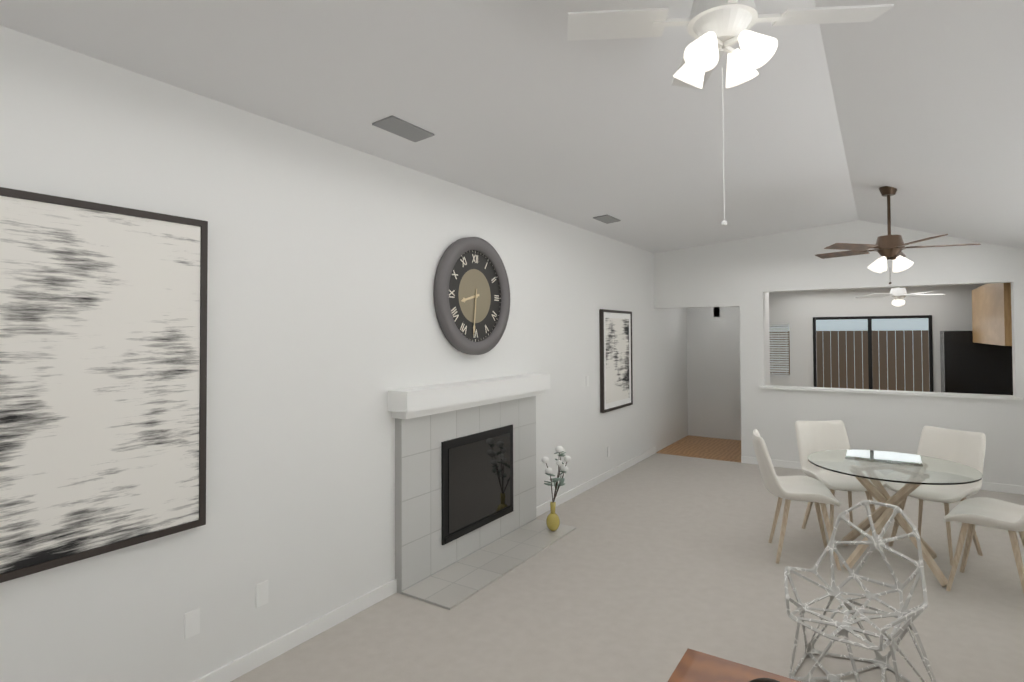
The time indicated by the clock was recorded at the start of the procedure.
8:31
